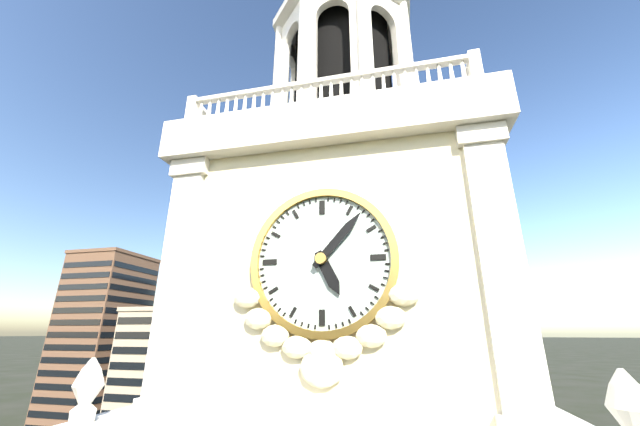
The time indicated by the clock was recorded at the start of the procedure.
5:07
